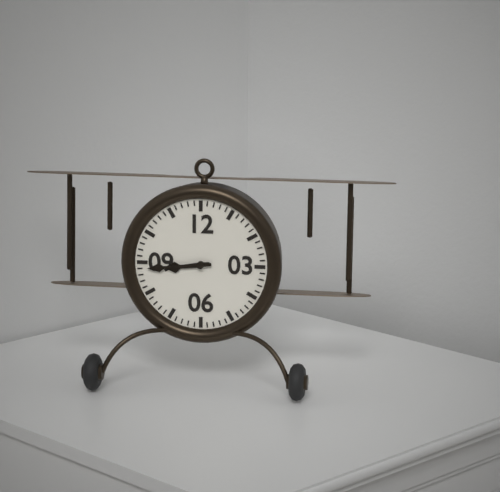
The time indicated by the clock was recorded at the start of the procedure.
8:44
